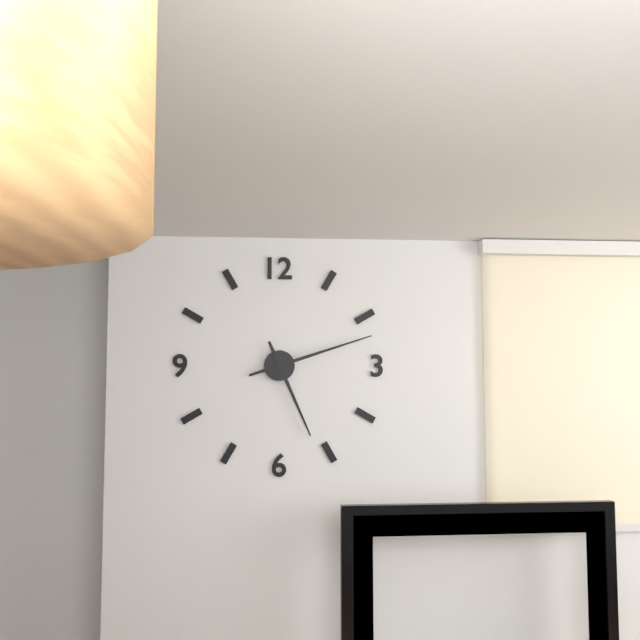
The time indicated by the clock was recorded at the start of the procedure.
5:12
